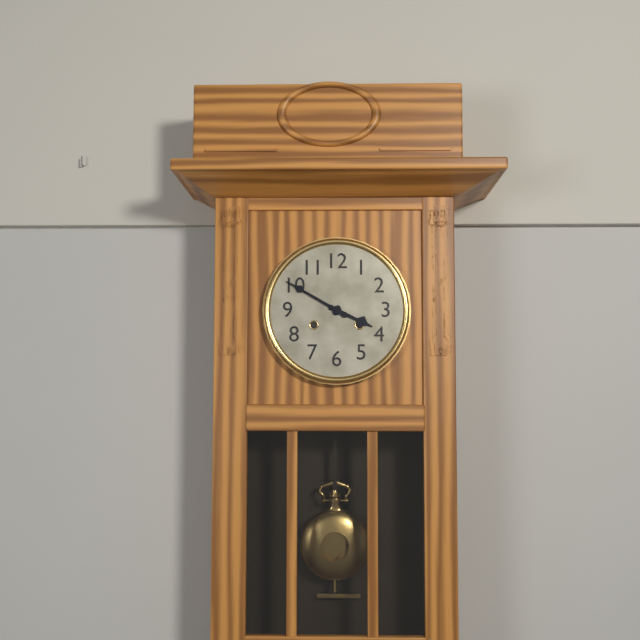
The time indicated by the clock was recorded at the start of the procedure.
3:50
